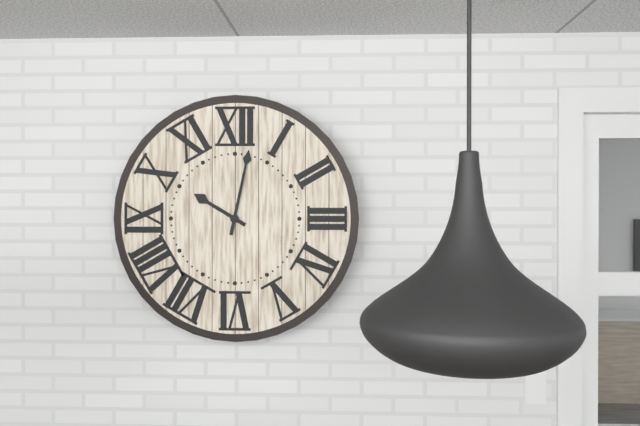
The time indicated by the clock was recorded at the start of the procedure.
10:02
